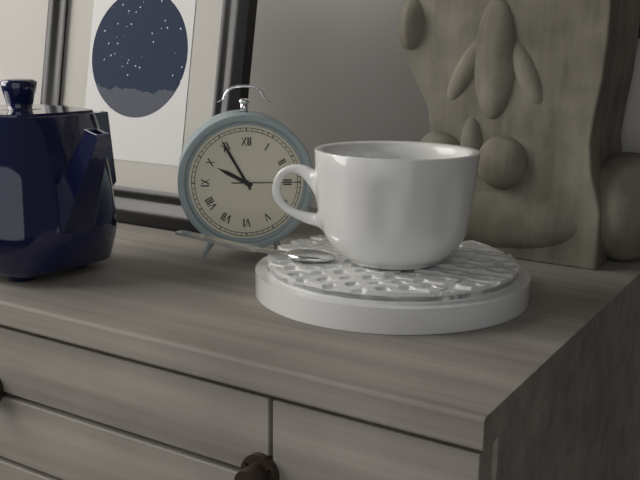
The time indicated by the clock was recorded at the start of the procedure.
9:55:15
